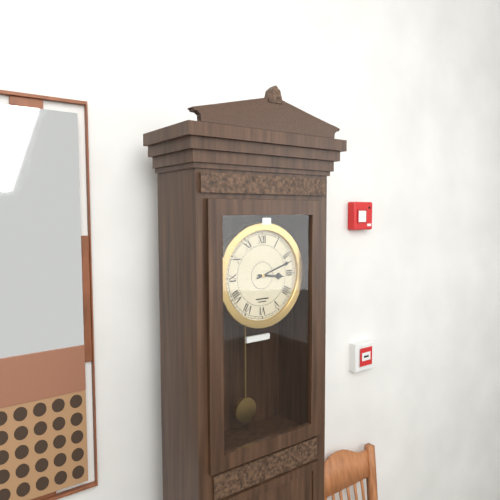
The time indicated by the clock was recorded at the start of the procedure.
3:12
